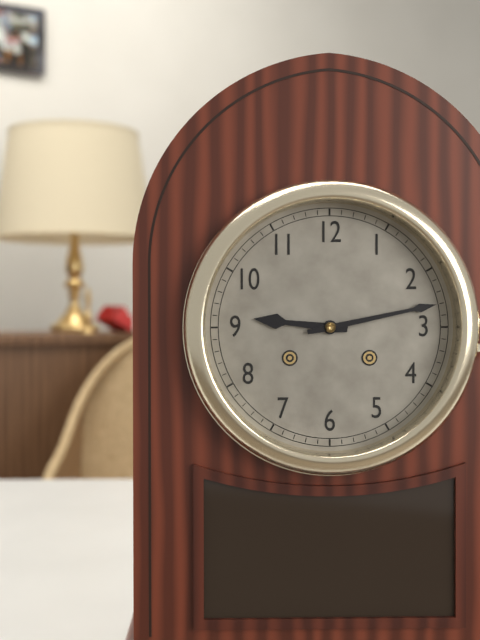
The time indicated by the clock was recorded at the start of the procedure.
9:13
